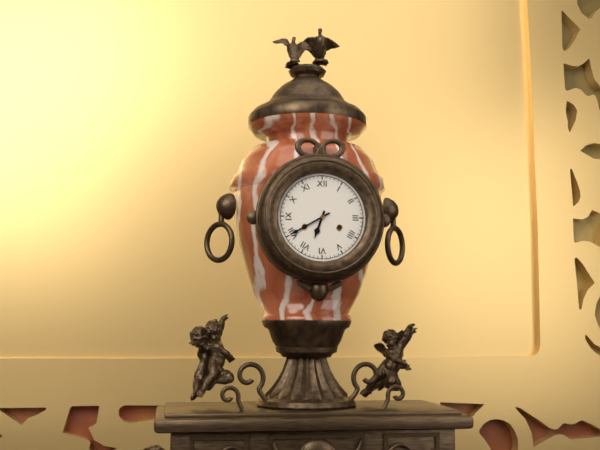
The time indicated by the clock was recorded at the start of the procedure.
6:40
